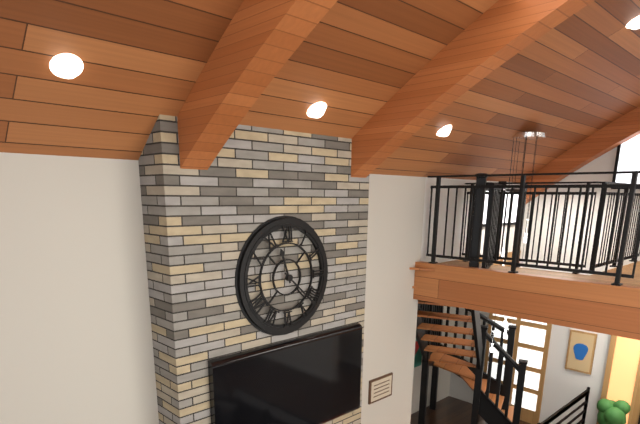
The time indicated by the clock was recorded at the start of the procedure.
11:22
